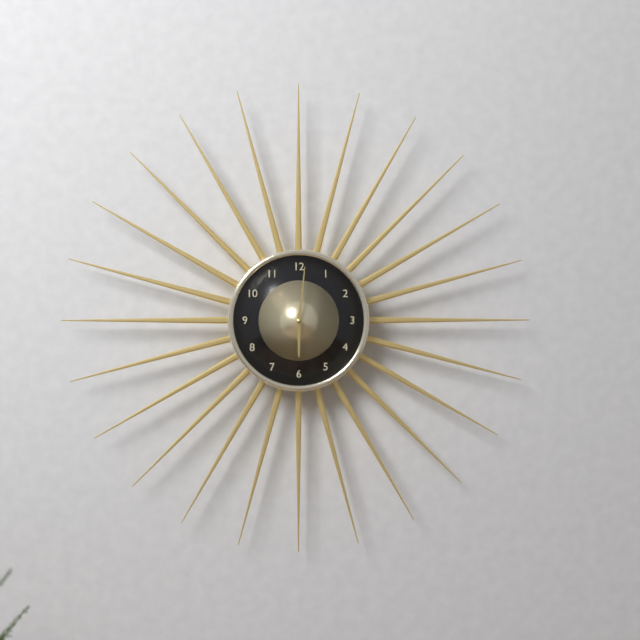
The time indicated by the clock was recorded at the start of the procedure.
6:01
